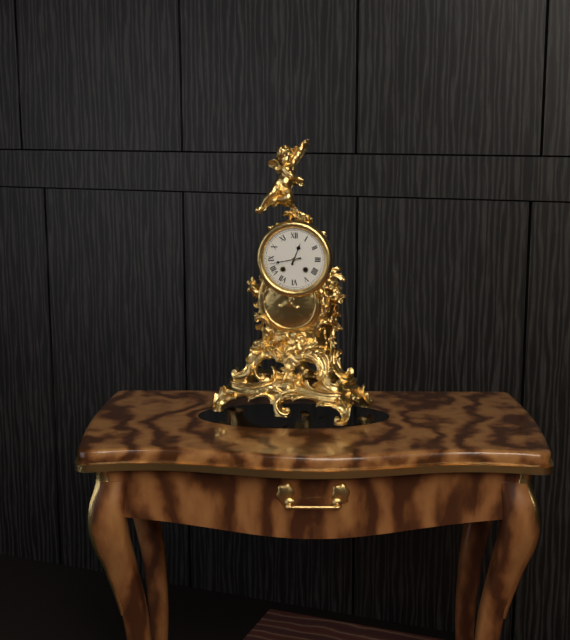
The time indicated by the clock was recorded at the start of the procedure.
12:43
